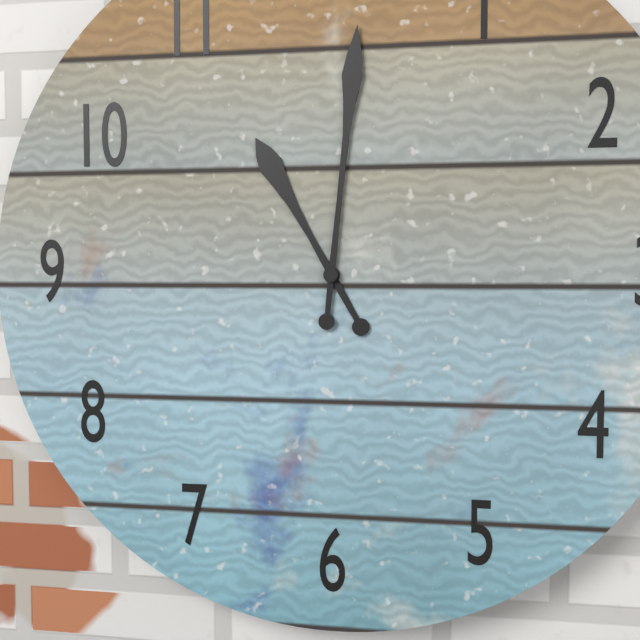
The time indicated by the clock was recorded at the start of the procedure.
11:01
